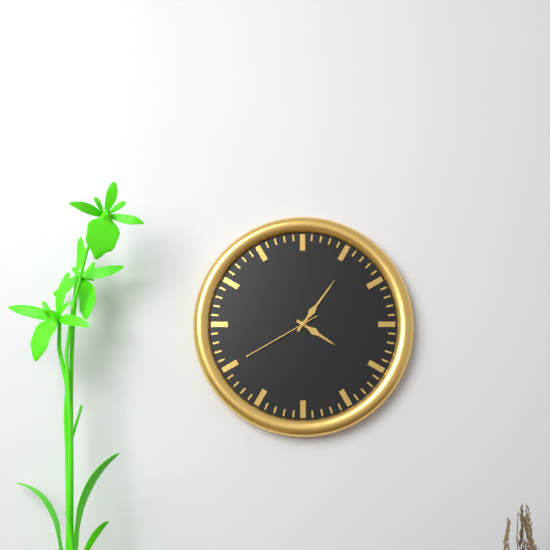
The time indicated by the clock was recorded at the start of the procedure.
4:06:40
